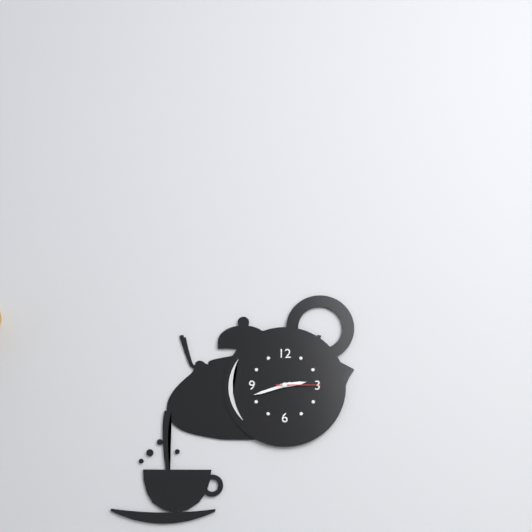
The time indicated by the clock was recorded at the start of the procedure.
2:42
